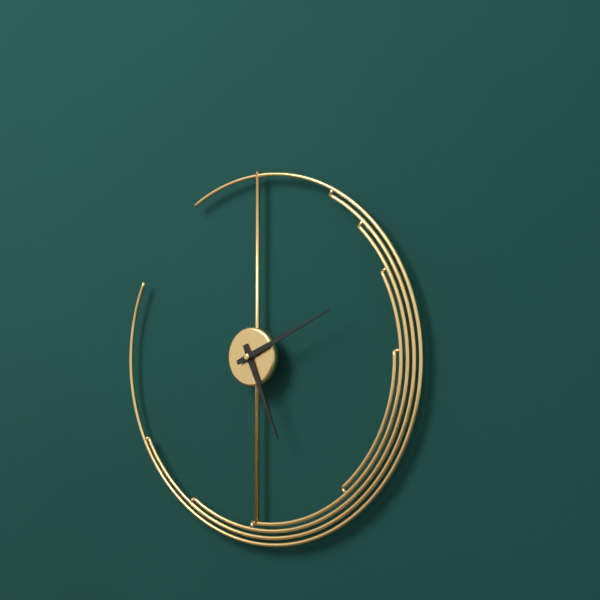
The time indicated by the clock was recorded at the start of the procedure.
5:11
